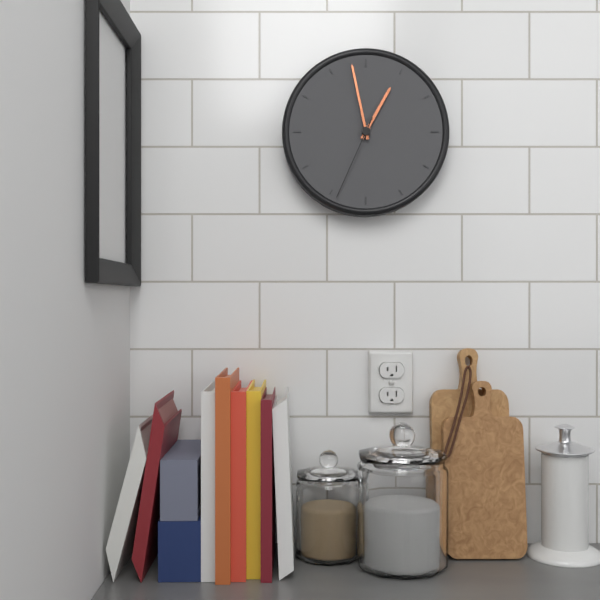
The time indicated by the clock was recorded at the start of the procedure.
12:58:34
